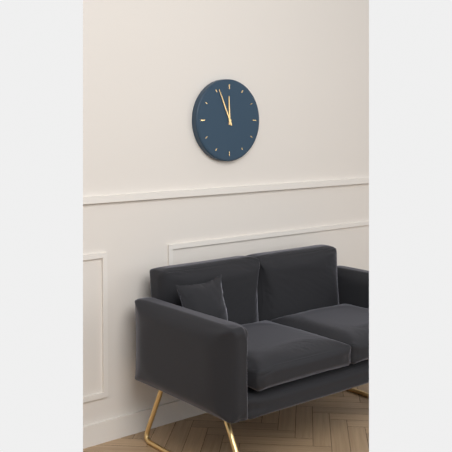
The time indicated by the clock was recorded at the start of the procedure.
11:56
